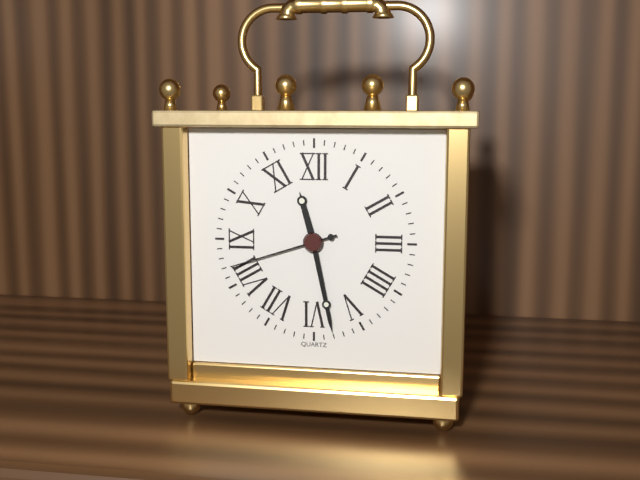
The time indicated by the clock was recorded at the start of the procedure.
11:28:42
